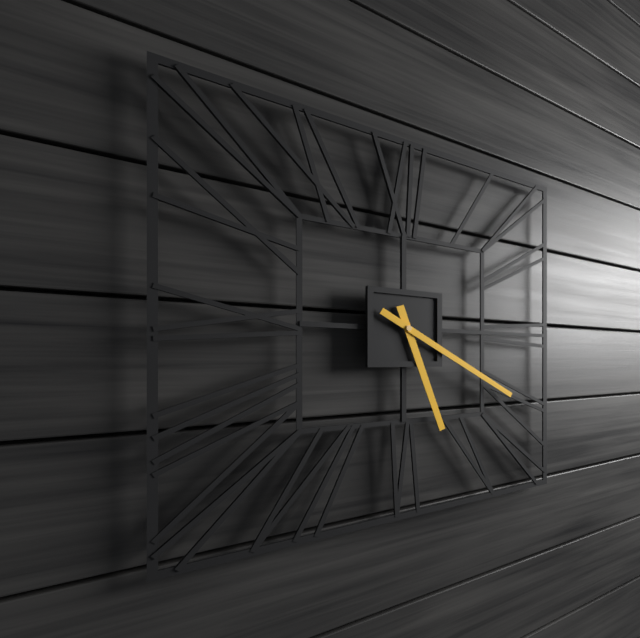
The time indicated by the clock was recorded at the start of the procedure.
5:20
